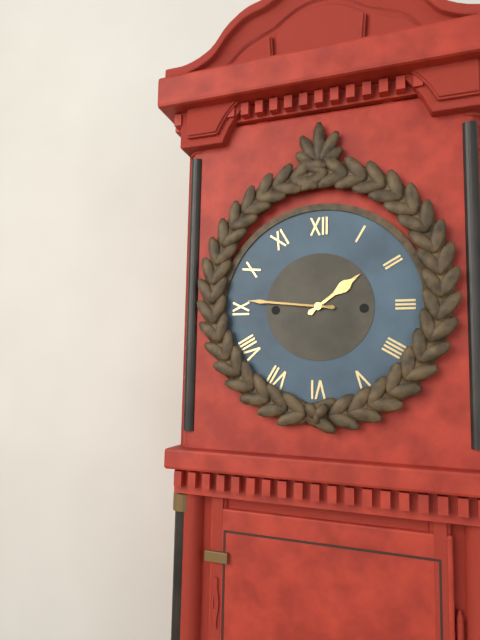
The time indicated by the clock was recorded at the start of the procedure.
1:46
